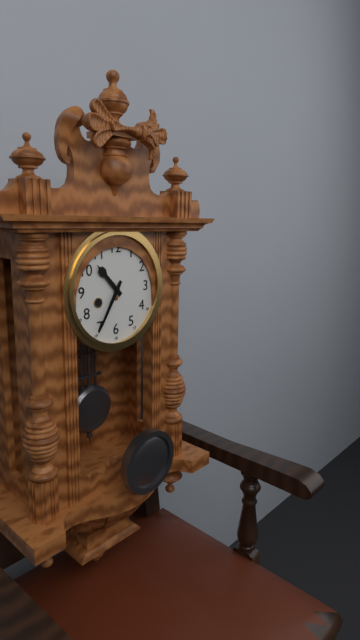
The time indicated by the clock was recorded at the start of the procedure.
10:35
